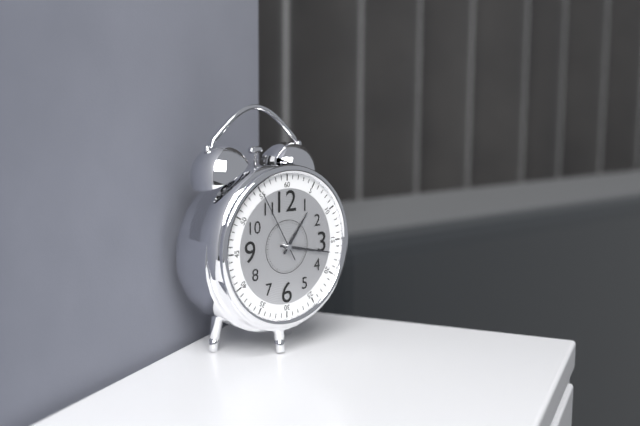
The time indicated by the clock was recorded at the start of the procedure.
1:17:55
